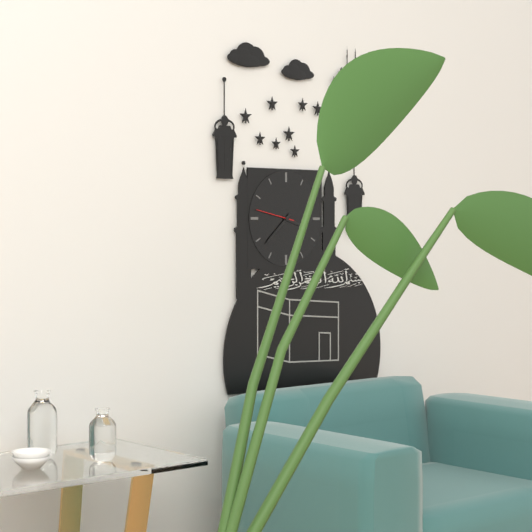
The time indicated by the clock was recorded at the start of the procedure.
3:38
